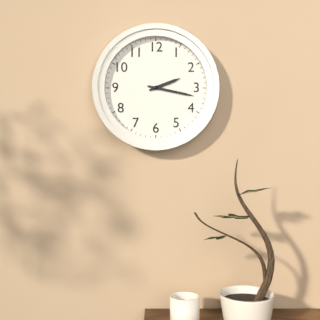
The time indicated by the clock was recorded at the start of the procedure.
2:17
